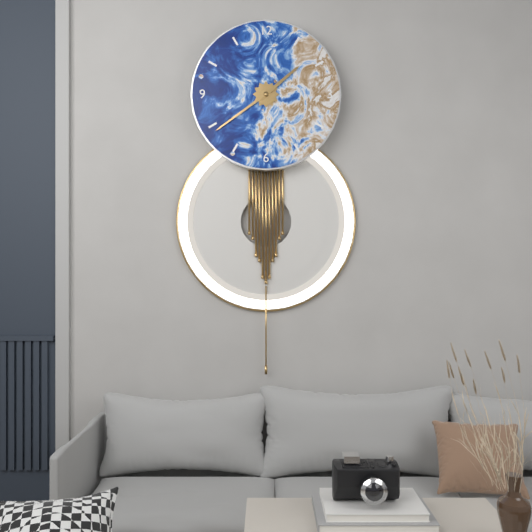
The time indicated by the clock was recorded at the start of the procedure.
1:39
